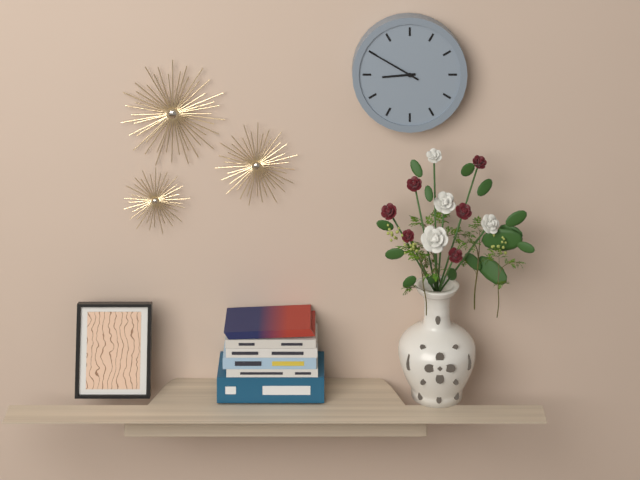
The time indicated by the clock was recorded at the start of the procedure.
8:50
